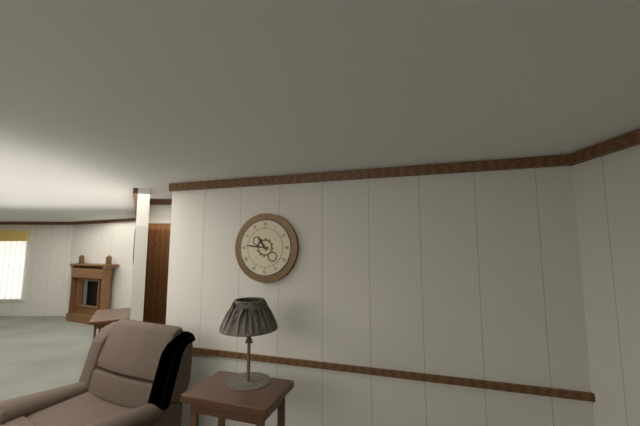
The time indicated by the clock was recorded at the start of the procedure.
10:46
